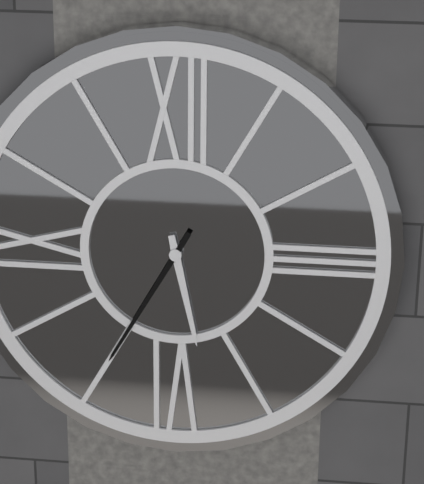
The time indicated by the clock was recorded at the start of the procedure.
5:35
